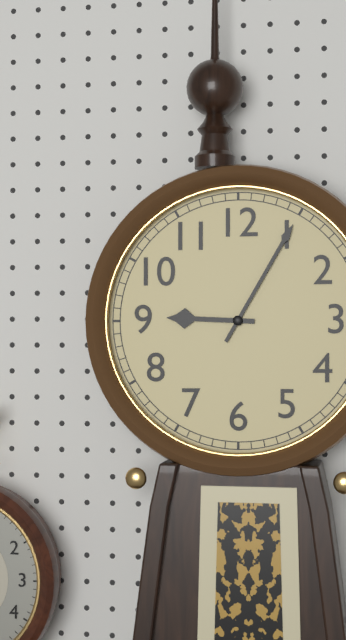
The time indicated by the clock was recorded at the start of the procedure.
9:05
